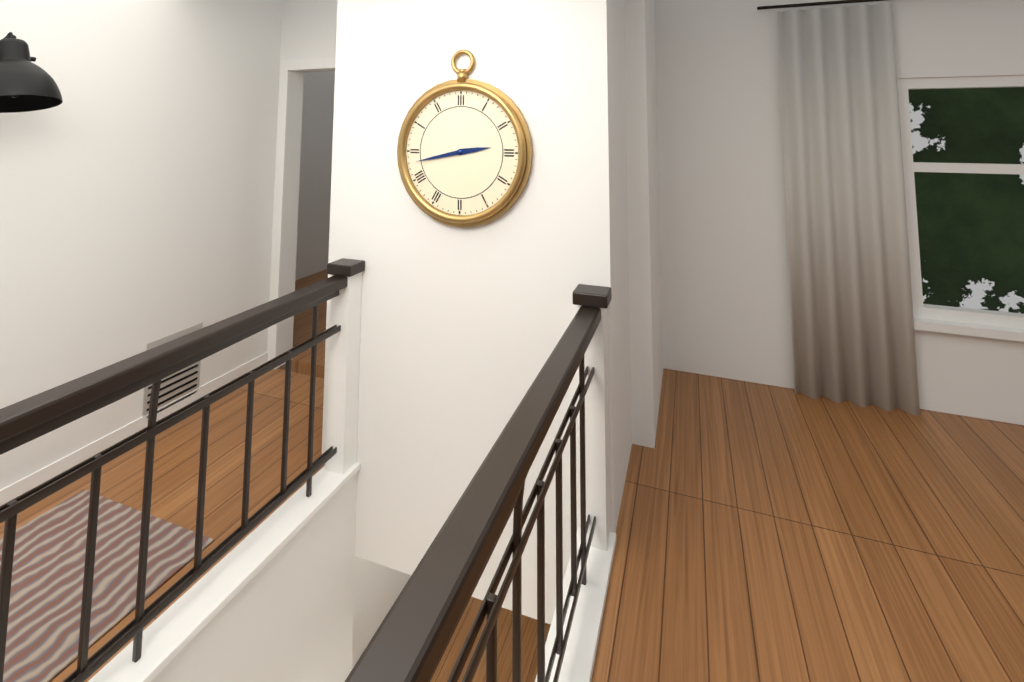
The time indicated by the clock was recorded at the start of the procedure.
2:43
